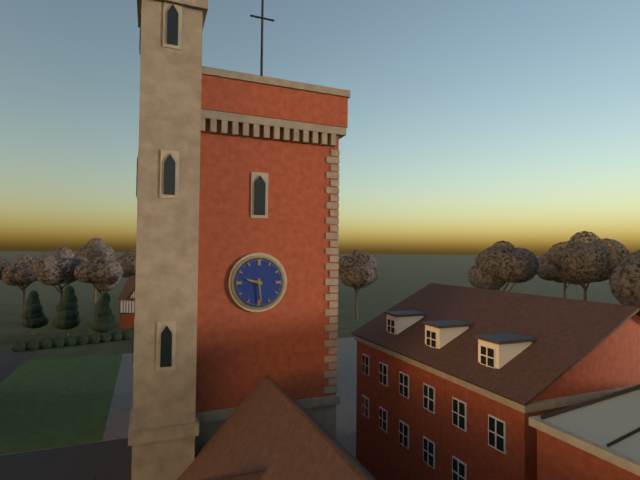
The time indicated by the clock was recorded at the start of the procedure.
9:29
